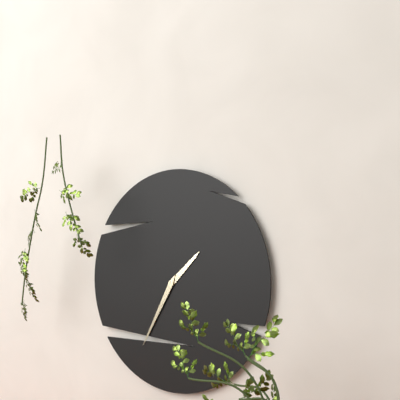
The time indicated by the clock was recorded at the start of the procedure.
1:35
